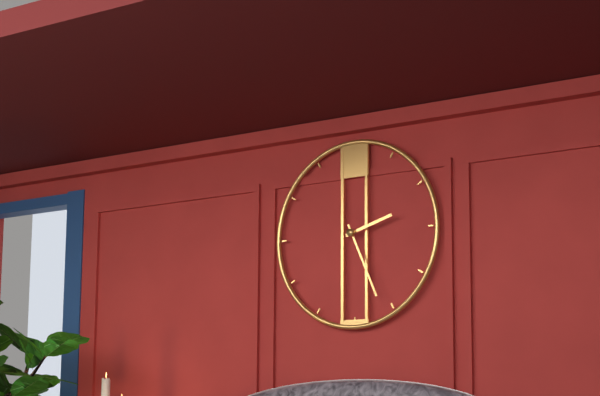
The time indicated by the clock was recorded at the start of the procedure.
2:26
